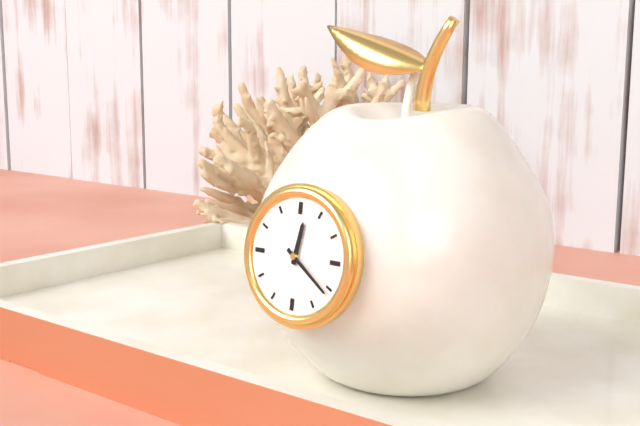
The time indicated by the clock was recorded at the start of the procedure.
12:21
